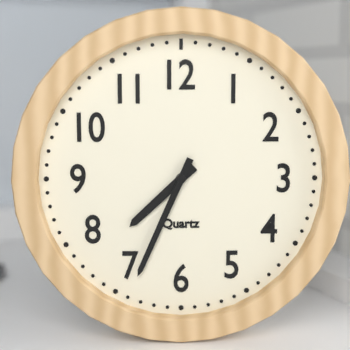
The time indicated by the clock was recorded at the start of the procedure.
7:34
